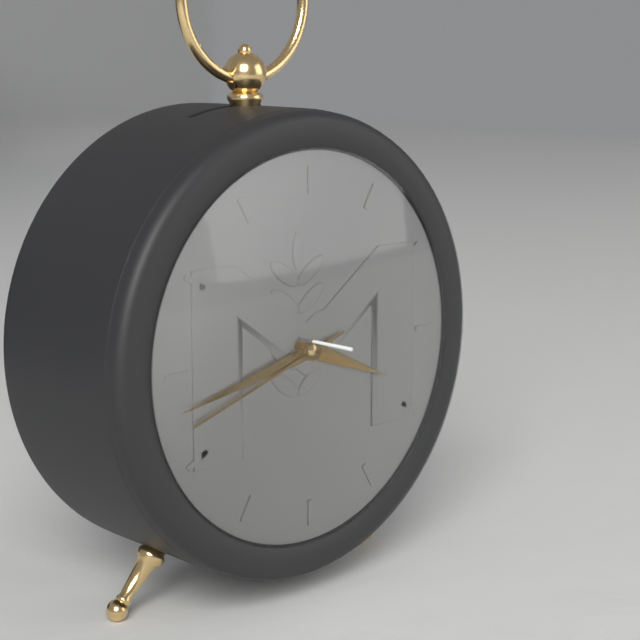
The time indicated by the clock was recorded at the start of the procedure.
3:43:42
